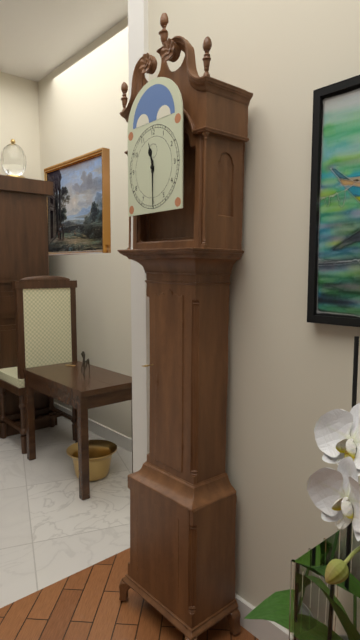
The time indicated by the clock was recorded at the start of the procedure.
11:30
